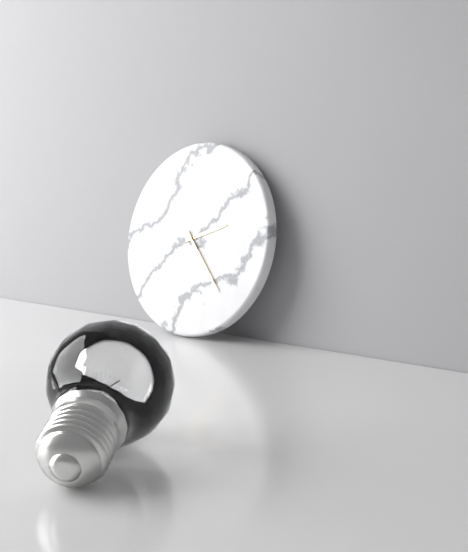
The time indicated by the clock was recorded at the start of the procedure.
2:23
